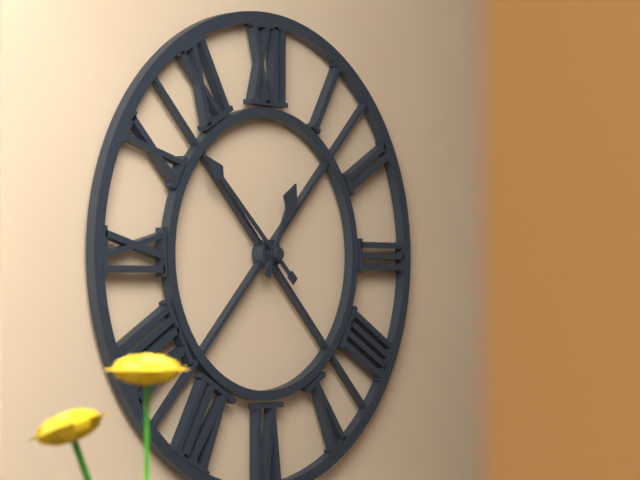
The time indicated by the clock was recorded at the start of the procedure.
12:52
